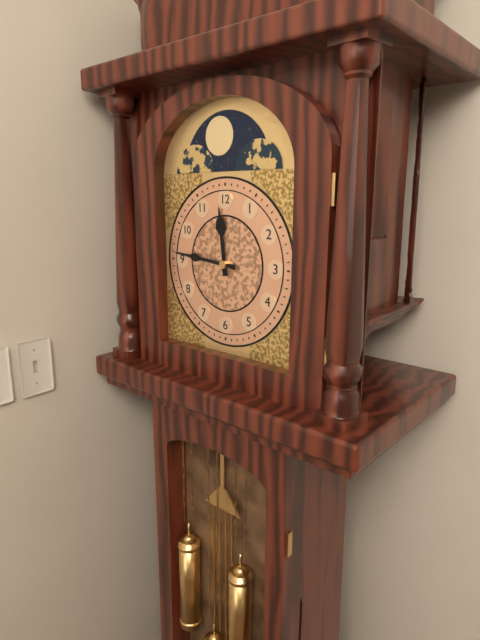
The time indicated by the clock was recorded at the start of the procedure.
11:46
